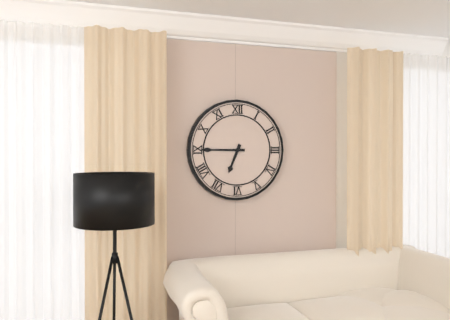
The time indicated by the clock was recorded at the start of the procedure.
6:45
